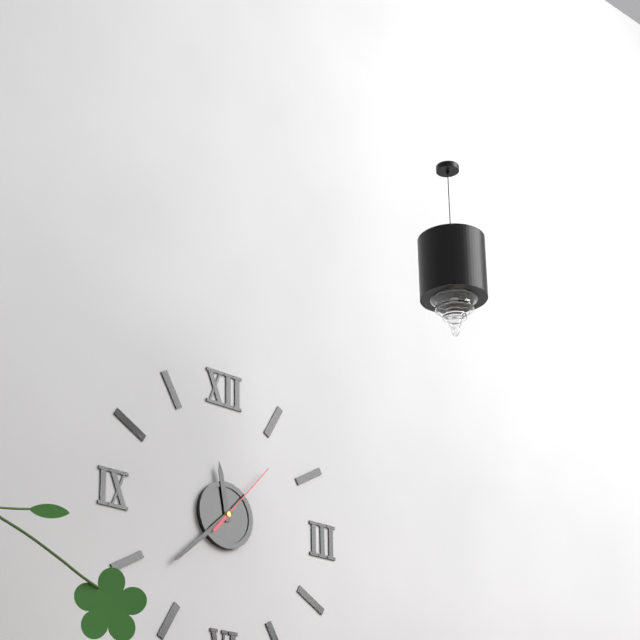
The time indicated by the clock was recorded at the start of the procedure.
11:38:07
